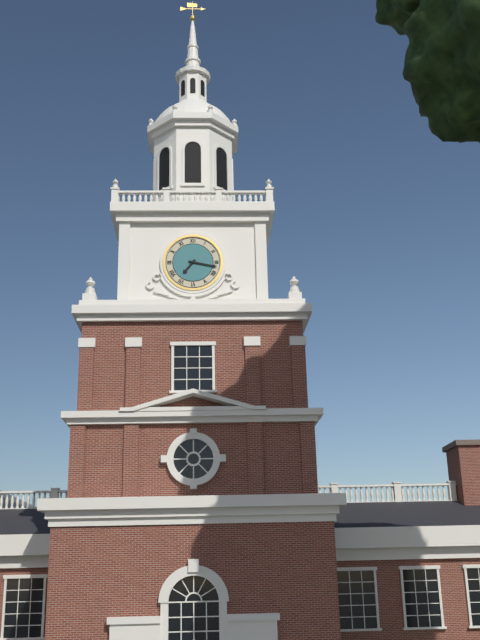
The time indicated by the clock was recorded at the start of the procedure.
7:17
